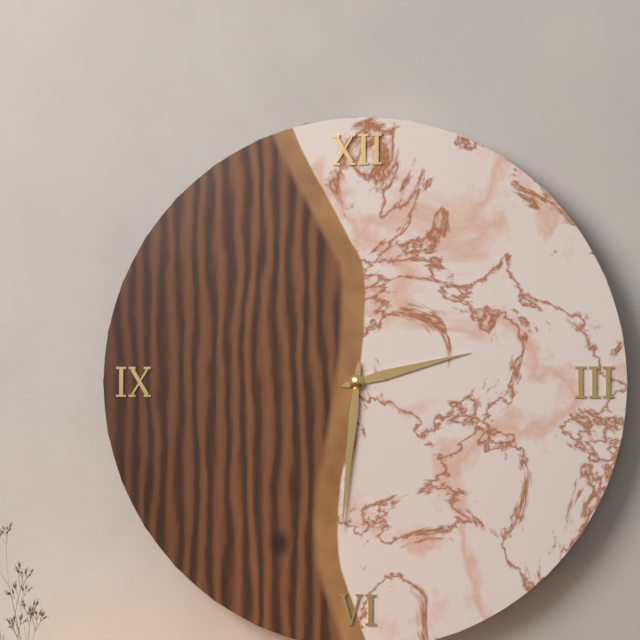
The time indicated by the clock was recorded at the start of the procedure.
2:31
